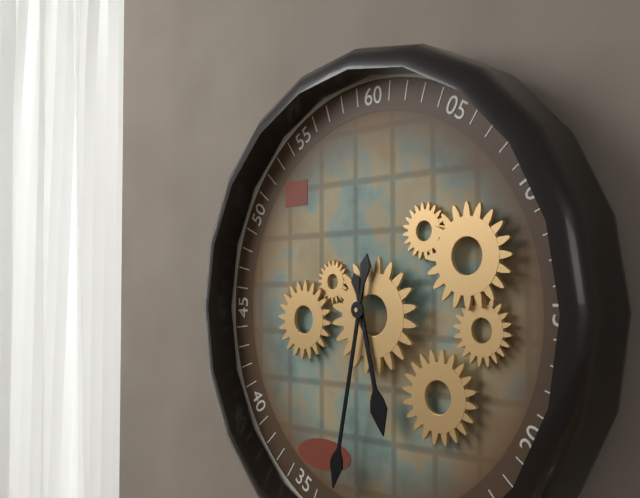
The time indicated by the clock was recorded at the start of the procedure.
5:32
